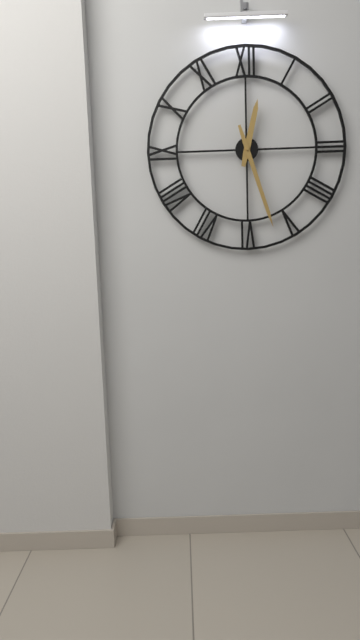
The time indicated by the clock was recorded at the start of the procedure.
12:27
